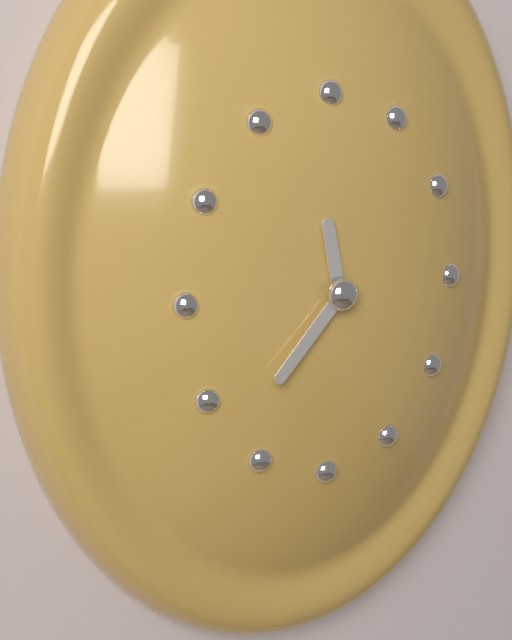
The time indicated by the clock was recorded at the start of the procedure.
11:37
